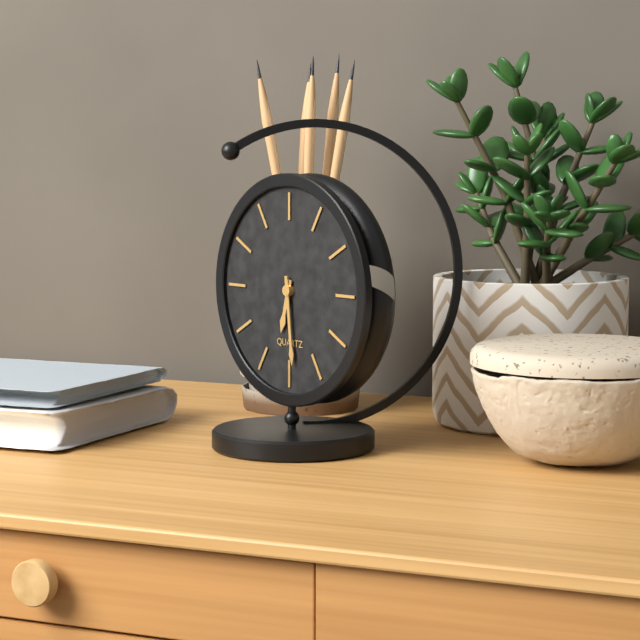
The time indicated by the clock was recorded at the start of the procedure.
6:29
